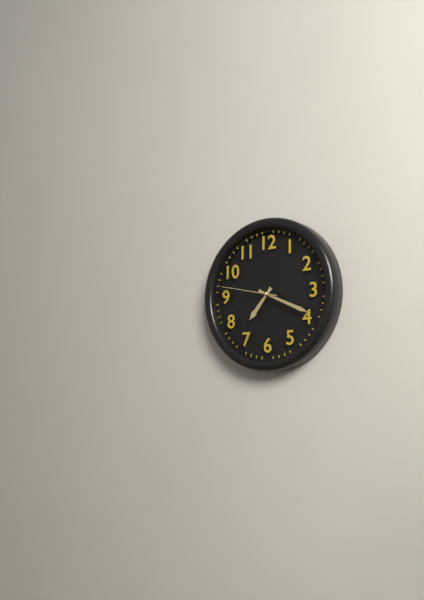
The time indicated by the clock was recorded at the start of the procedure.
7:19:47
